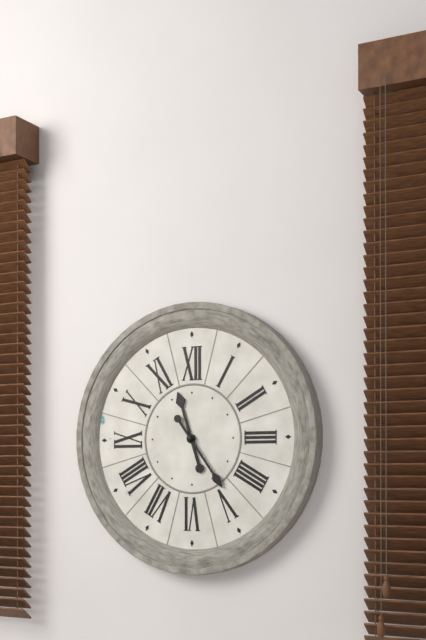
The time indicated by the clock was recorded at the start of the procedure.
11:24
